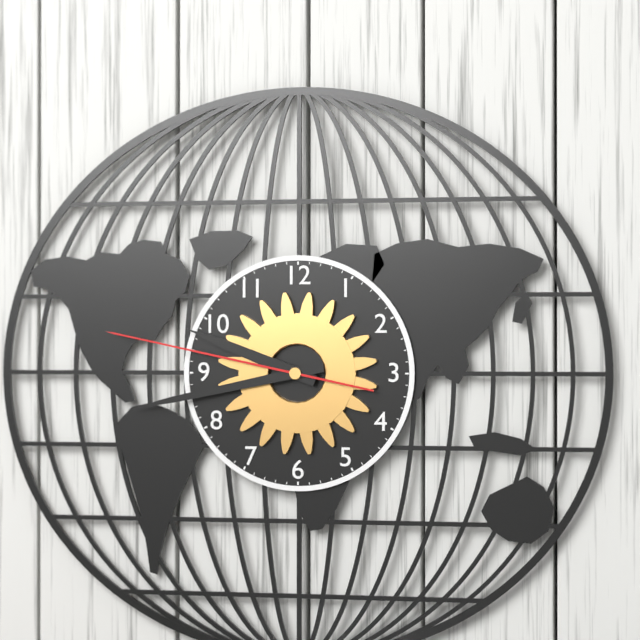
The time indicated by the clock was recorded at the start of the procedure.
9:43:47
